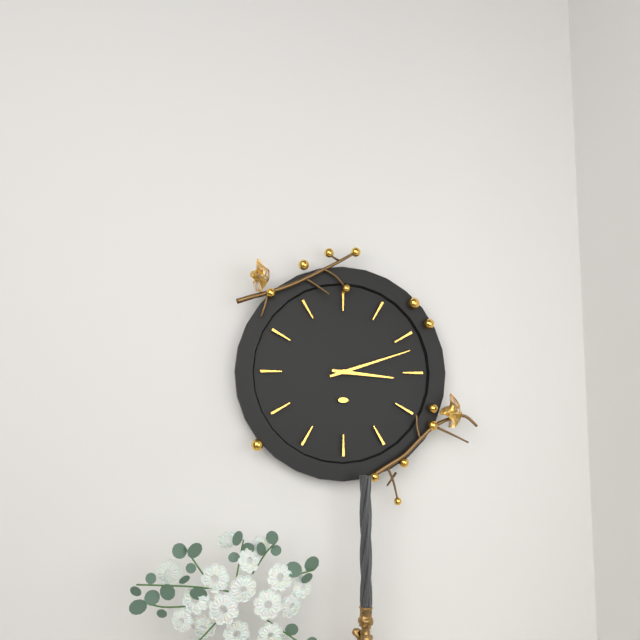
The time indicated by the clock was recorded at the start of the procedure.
3:12
